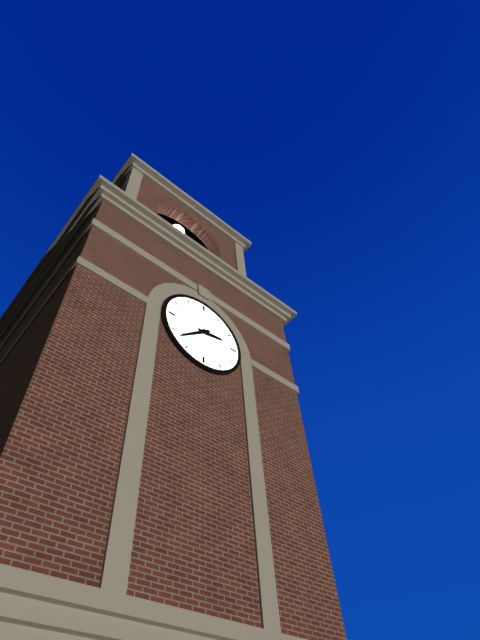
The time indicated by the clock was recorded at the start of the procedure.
2:38
